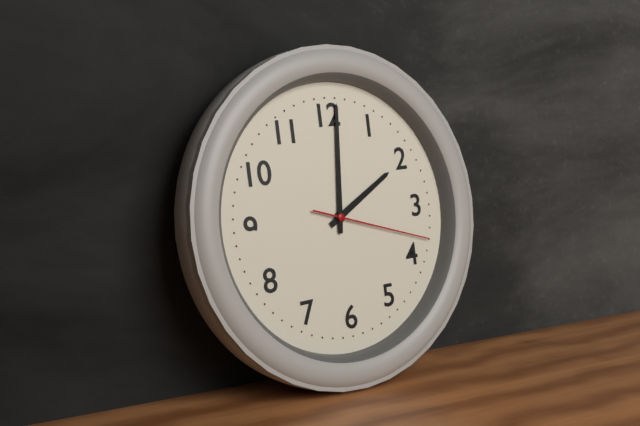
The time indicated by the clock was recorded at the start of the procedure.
2:01:18
